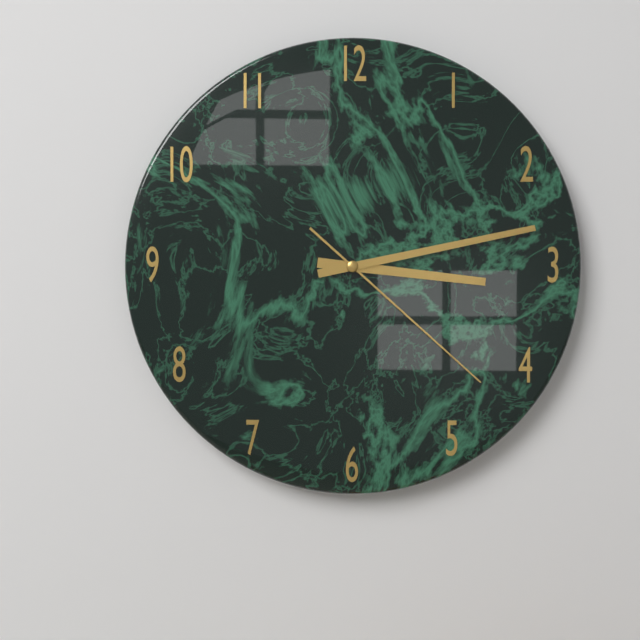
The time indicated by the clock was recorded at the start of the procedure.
3:13:22
